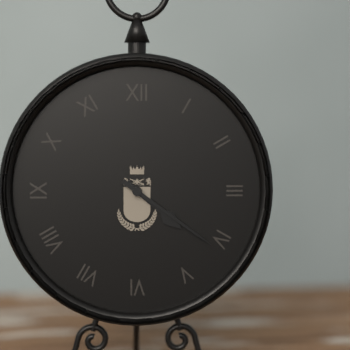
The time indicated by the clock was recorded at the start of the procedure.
4:21
